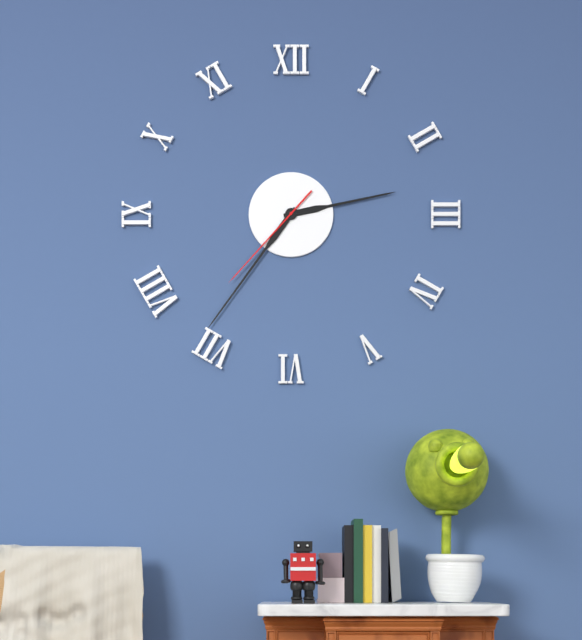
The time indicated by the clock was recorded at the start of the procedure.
2:36:37
